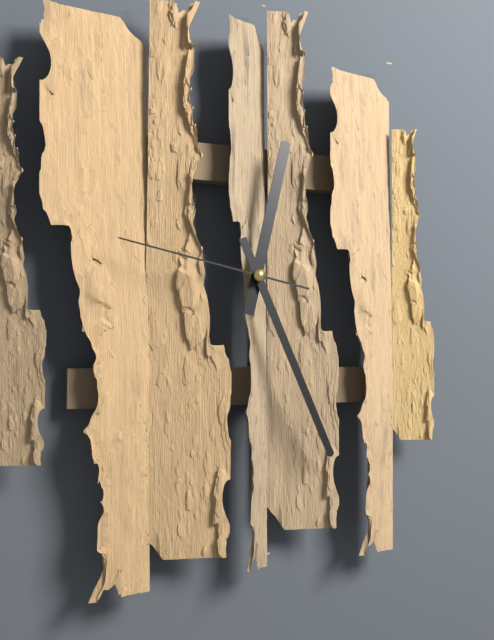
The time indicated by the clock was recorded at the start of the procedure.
12:26:47
